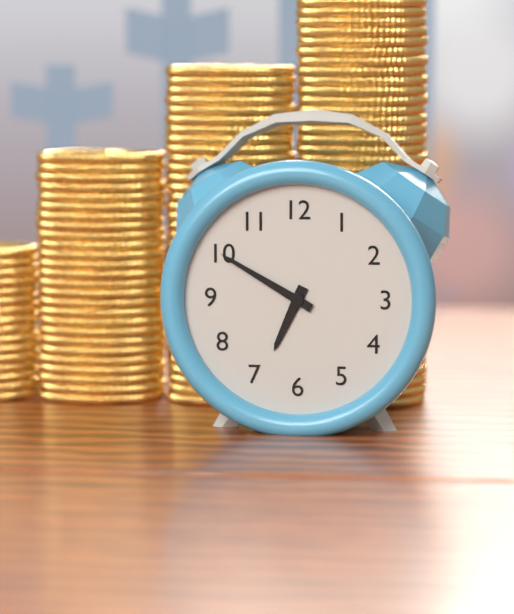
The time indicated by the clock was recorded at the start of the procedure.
6:50
